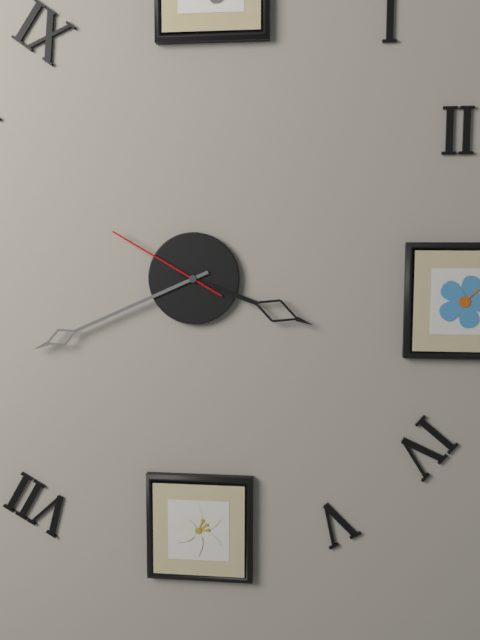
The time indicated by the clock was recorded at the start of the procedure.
3:41:50
